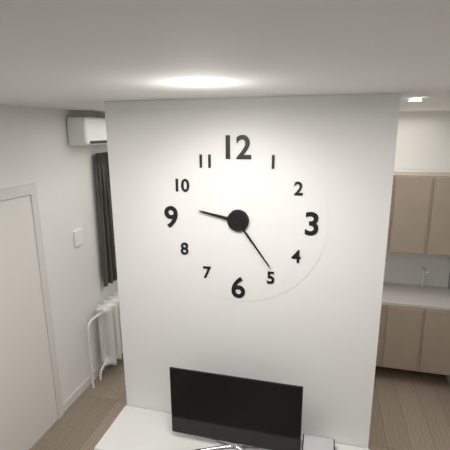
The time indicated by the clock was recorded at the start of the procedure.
9:24
